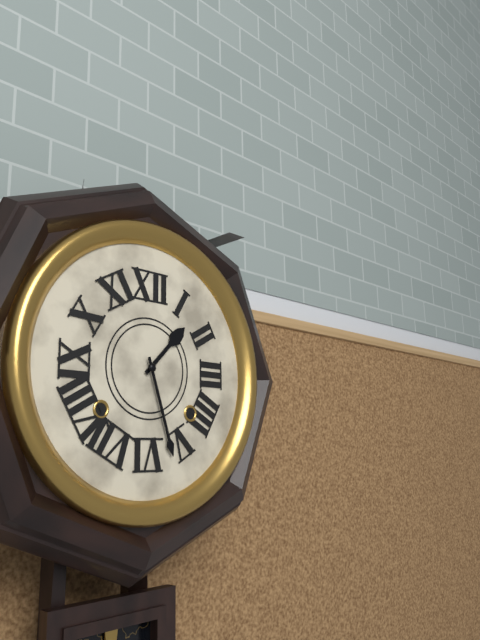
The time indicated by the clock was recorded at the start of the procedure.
1:27
